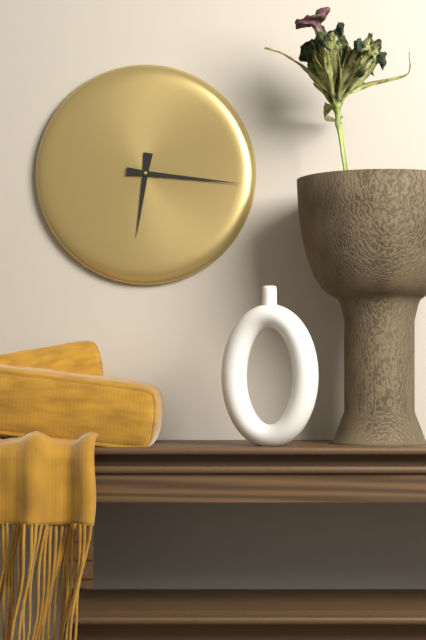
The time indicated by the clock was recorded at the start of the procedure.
6:16
